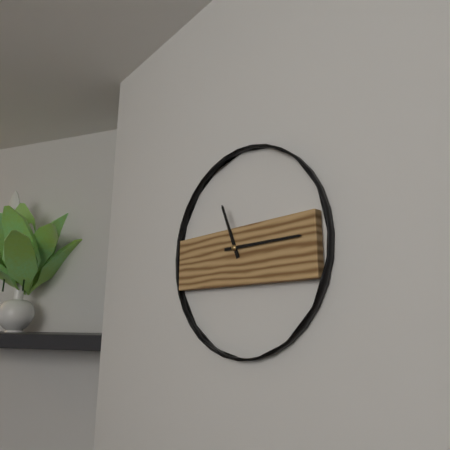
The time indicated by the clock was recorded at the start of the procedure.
11:15
